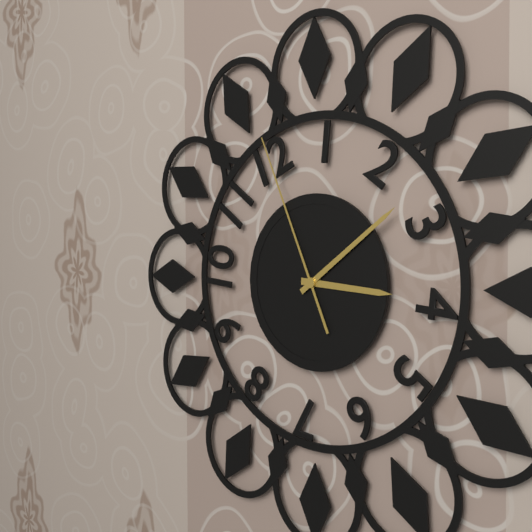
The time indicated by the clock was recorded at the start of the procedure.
3:09:56
